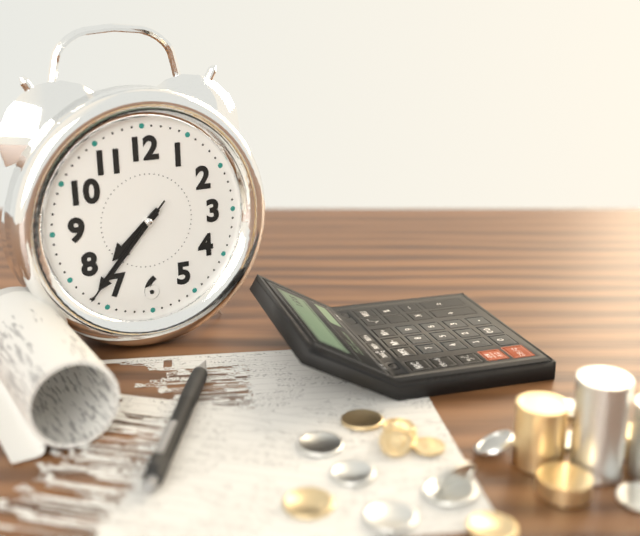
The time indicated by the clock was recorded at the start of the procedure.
7:37:37
